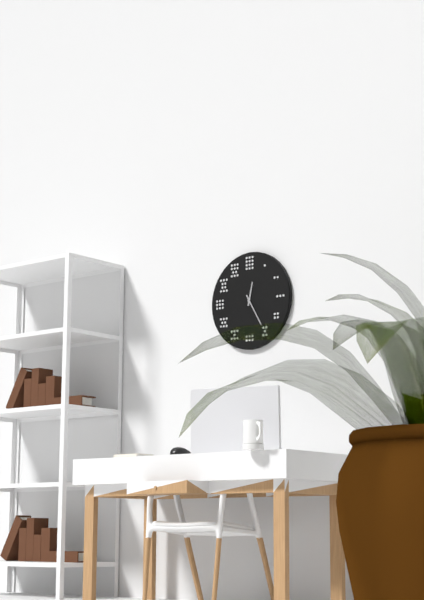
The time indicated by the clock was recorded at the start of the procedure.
12:25
